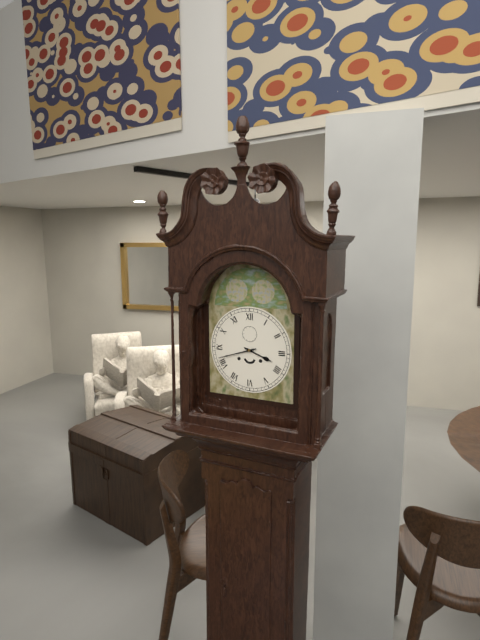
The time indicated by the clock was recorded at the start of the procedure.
3:42
